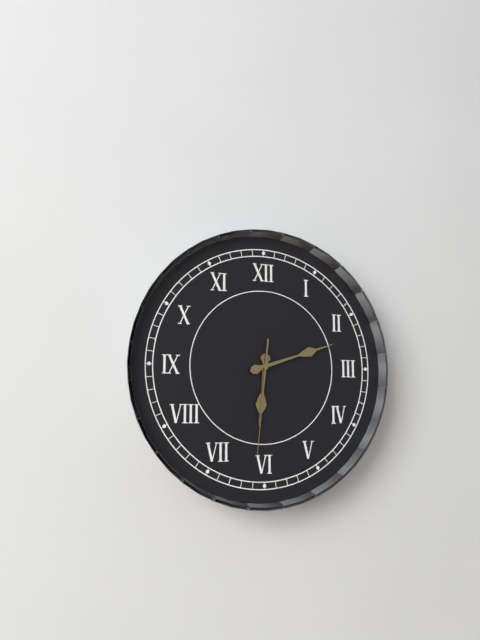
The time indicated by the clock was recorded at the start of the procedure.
6:12:31
